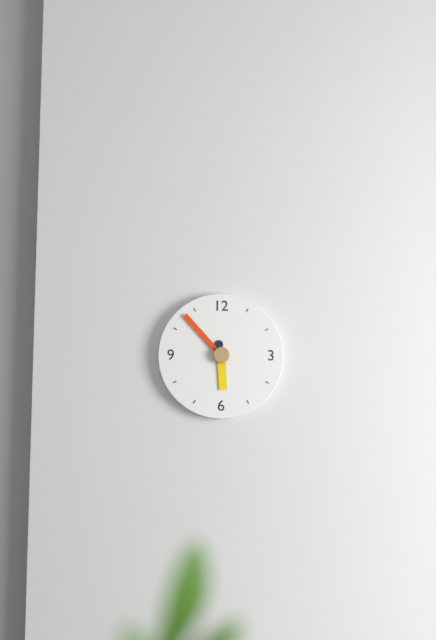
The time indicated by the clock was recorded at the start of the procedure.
5:53
